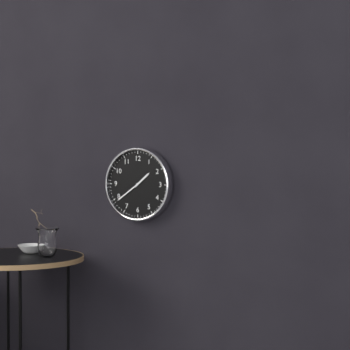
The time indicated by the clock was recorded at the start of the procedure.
1:39
